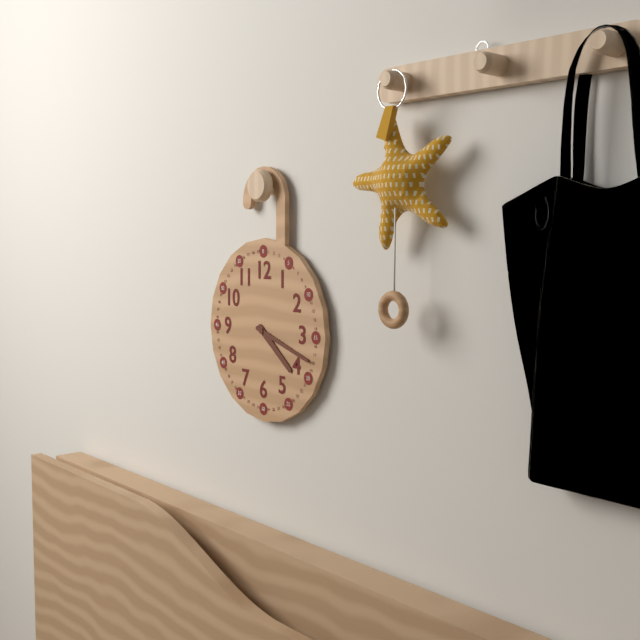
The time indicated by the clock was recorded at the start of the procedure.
4:18
